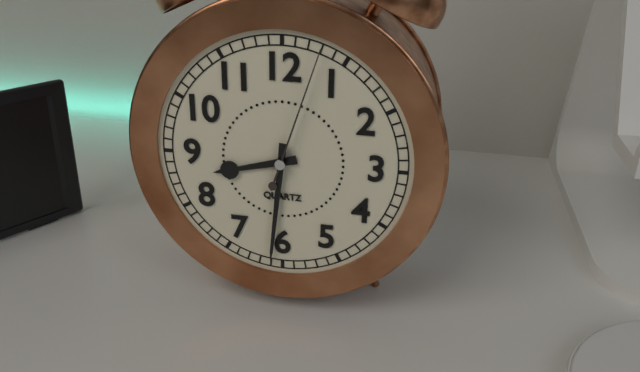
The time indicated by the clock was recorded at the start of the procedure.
8:31:03
